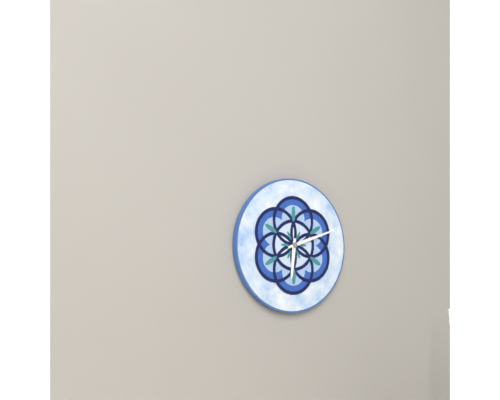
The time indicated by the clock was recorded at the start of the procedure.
6:12
